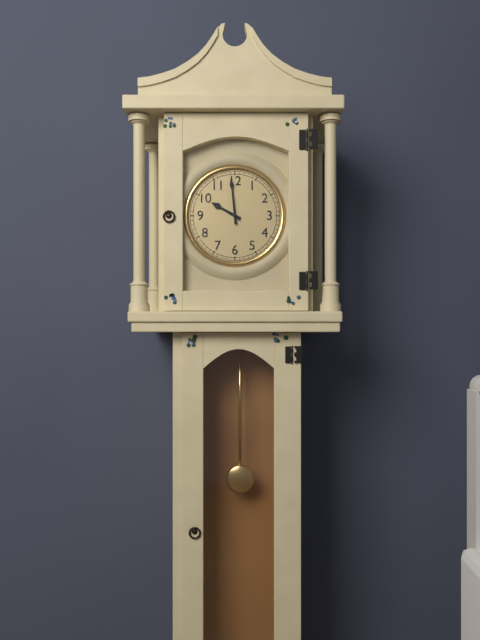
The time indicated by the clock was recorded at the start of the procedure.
9:59
